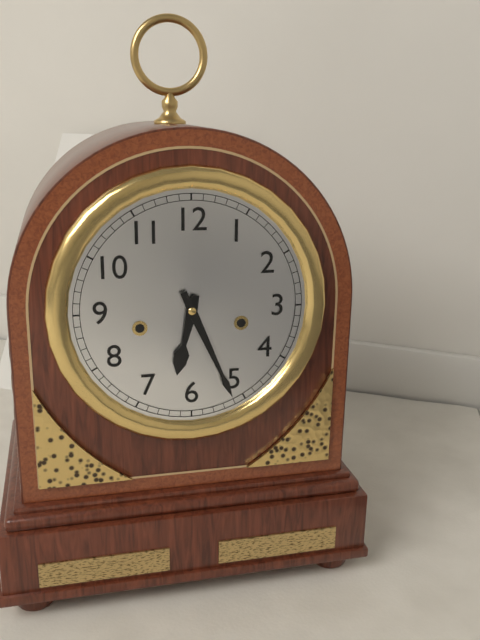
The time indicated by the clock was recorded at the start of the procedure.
6:26
